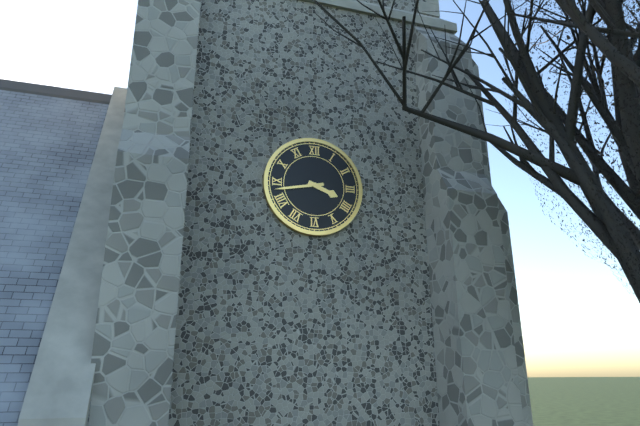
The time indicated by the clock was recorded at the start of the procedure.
3:43
